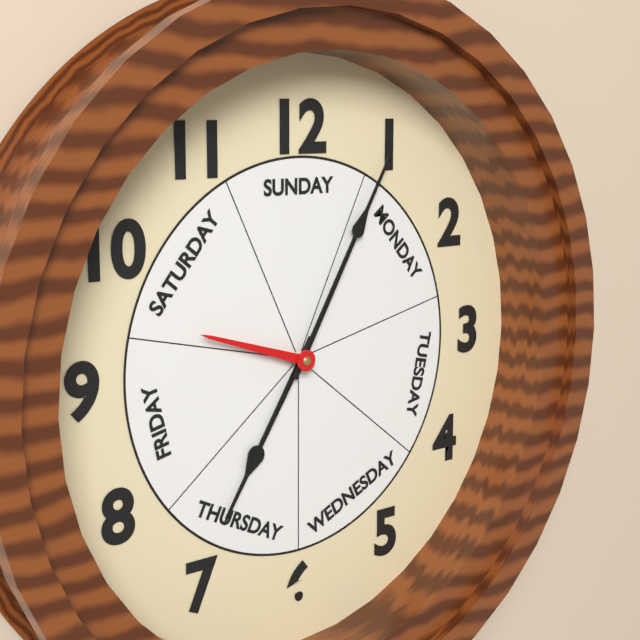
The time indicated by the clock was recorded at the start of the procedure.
7:05:48
